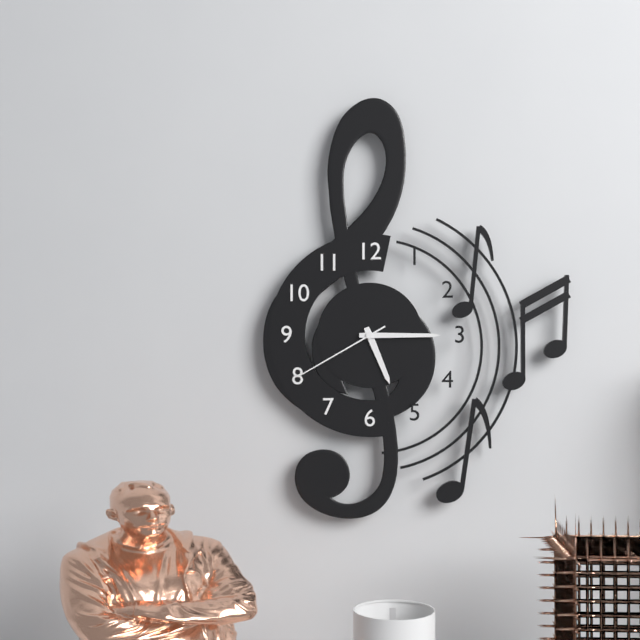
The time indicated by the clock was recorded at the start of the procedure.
5:15:40
